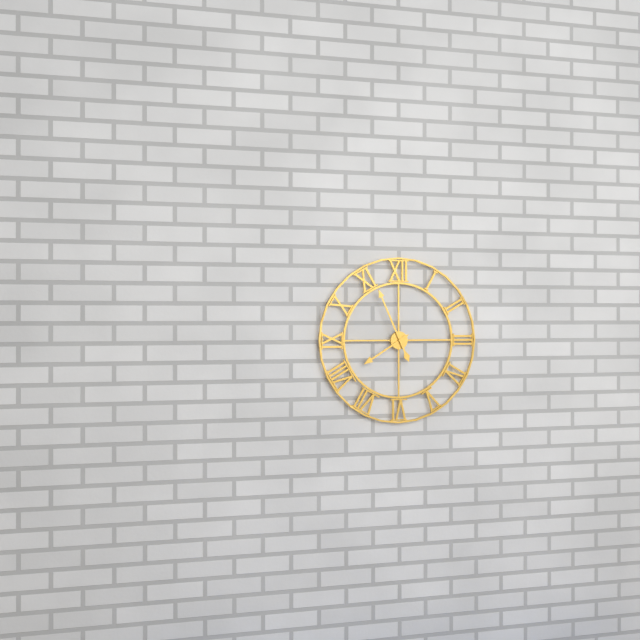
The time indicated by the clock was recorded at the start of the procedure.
7:56
